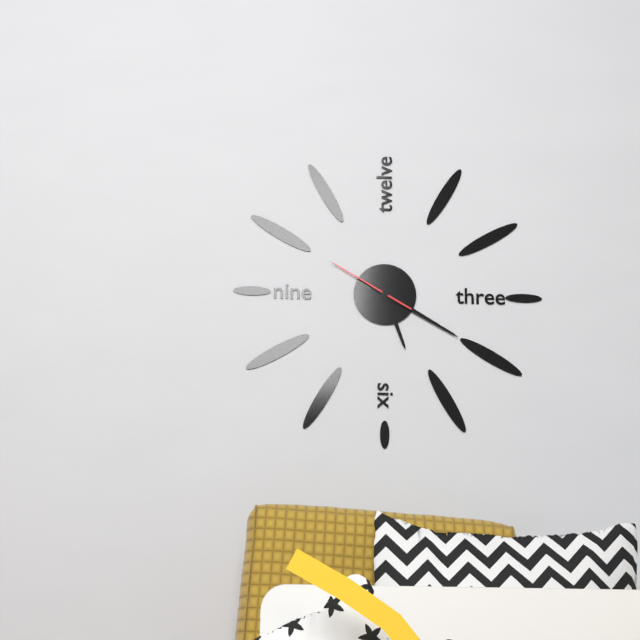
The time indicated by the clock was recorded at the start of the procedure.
5:20:50
